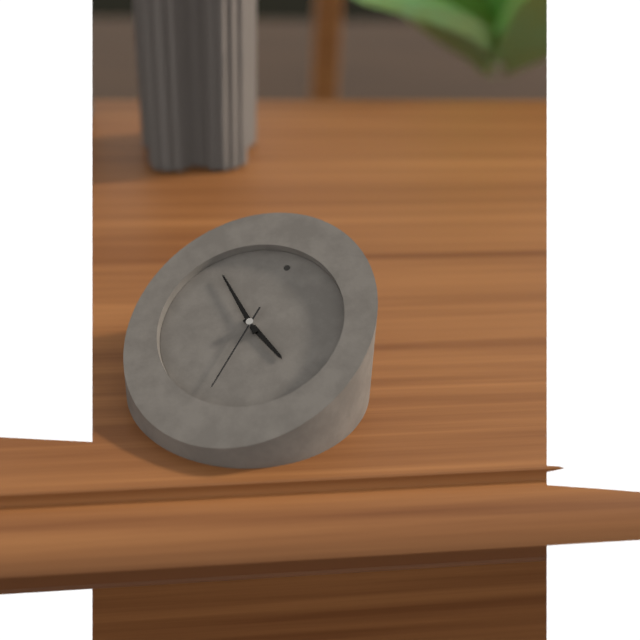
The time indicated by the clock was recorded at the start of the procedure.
3:51:30
